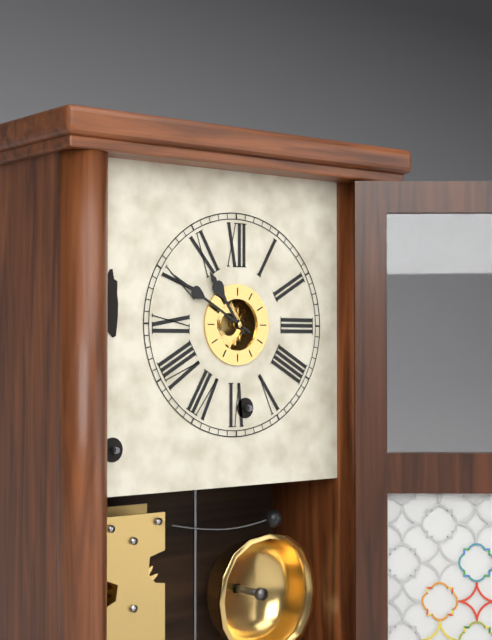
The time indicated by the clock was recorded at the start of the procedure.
10:50
